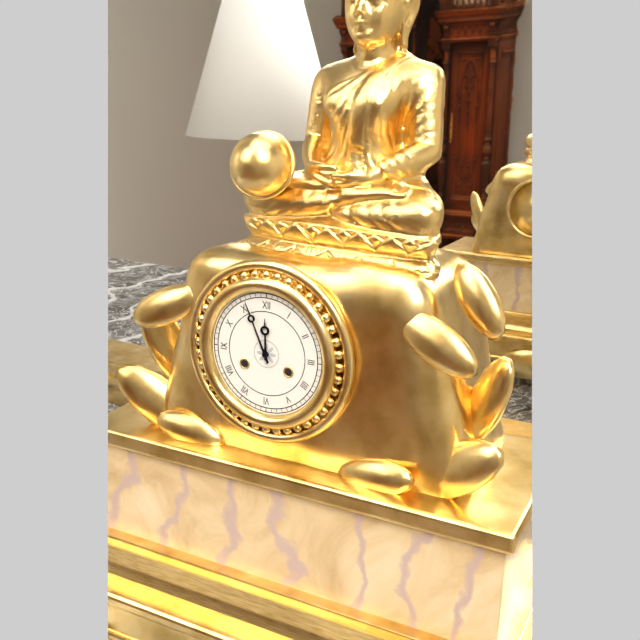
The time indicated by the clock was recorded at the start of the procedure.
11:56
